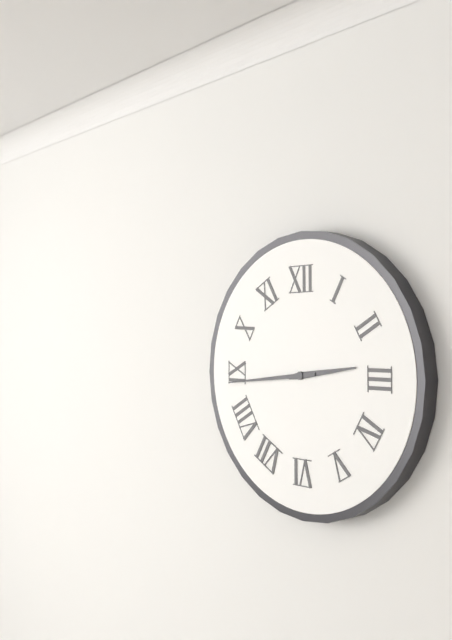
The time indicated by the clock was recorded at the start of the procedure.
2:44
